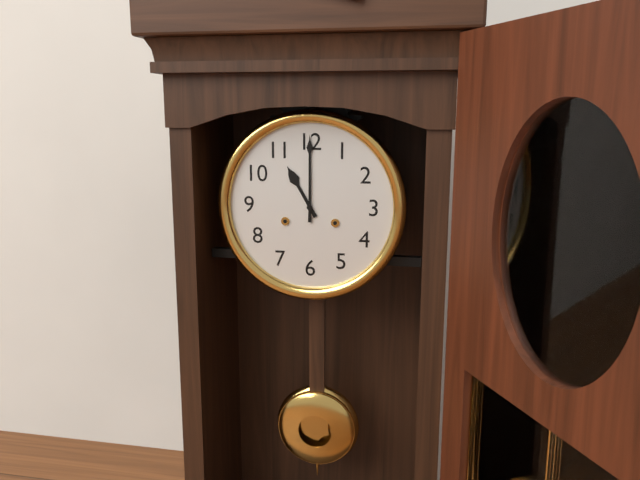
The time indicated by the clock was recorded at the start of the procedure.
11:00
